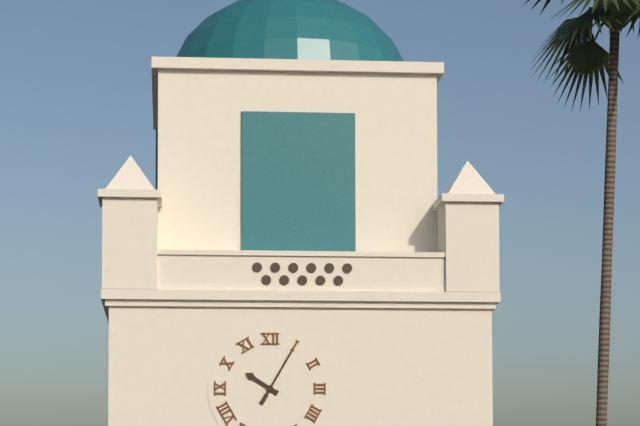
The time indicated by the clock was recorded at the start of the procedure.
10:05
